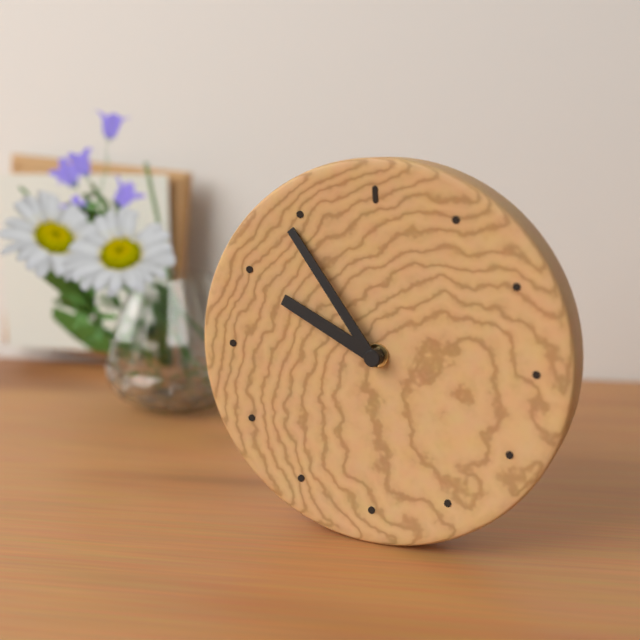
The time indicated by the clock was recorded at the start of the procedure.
9:54
